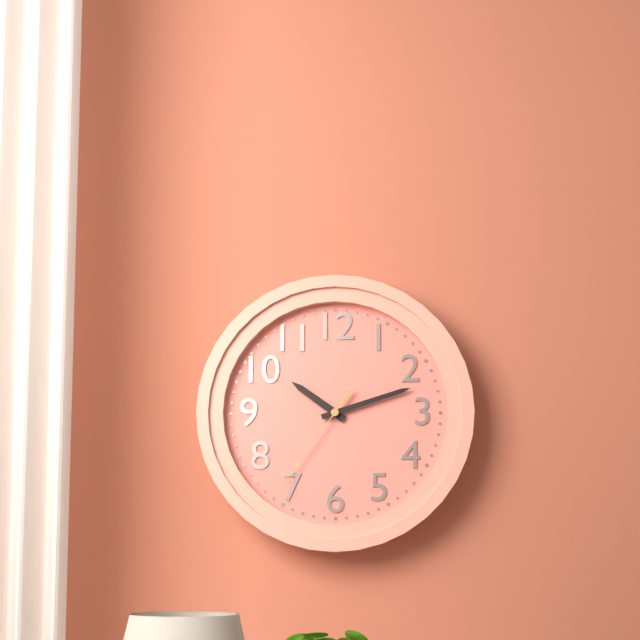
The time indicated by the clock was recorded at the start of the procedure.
10:12:36
